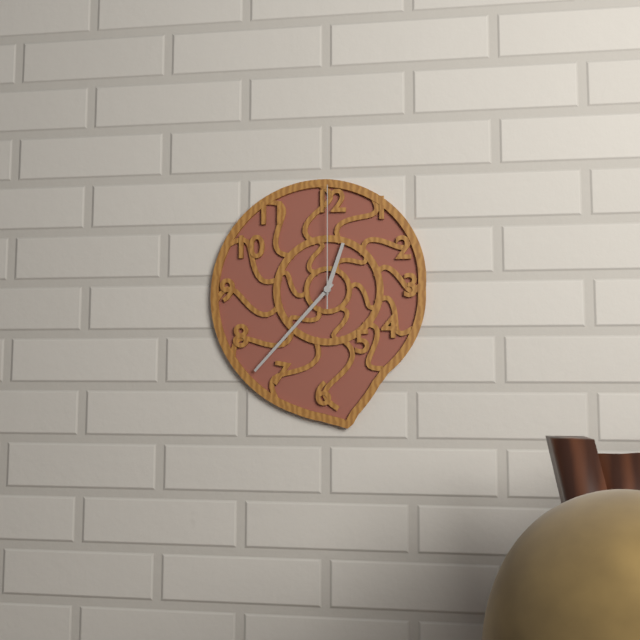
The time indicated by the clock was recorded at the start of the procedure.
12:37:00
